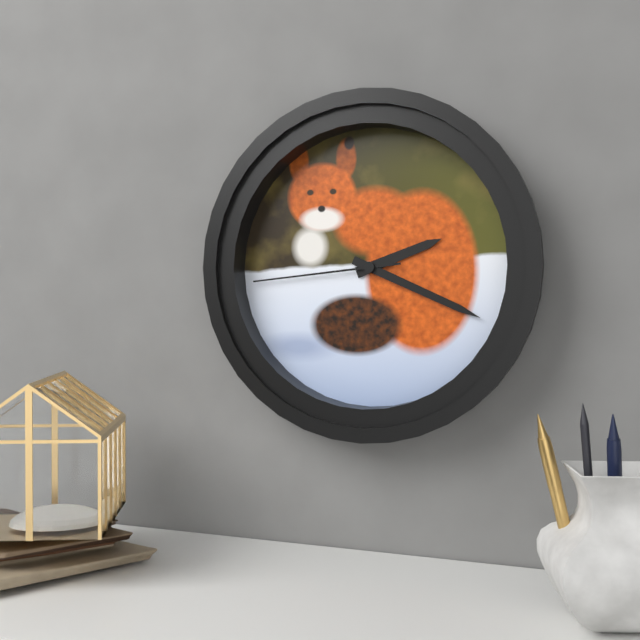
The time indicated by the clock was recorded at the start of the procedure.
2:19:44
